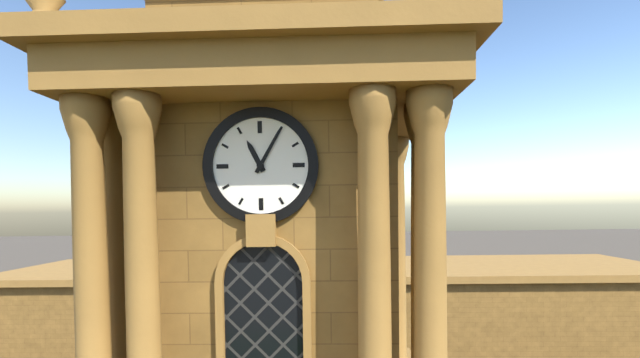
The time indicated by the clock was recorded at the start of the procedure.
11:05
